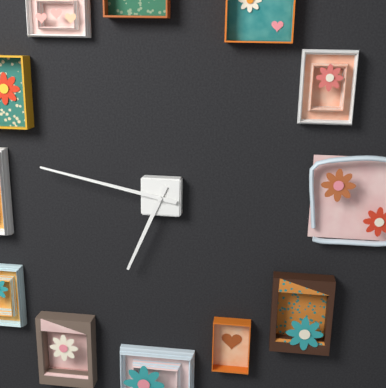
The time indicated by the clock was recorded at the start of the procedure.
6:47
